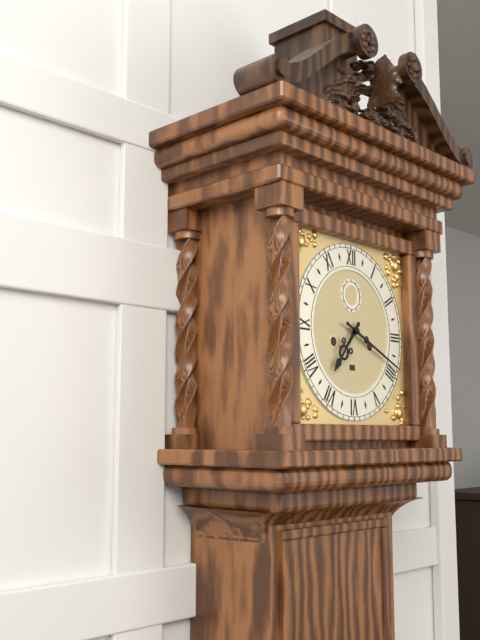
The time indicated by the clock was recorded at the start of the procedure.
7:19
